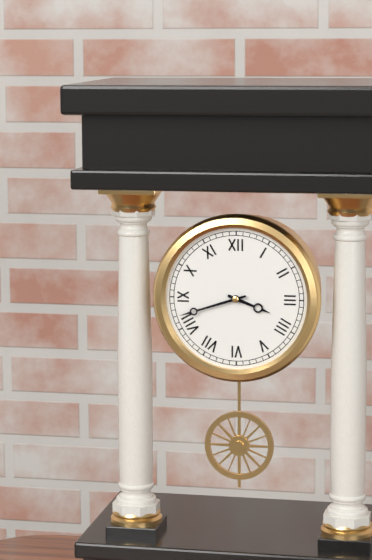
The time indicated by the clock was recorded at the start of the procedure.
3:42
